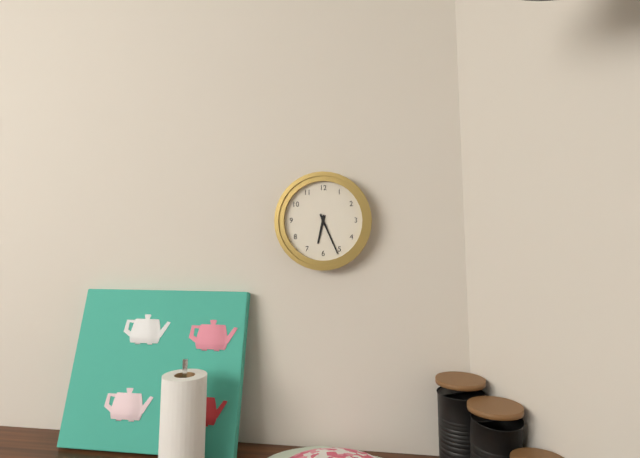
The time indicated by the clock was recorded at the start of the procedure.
6:26
